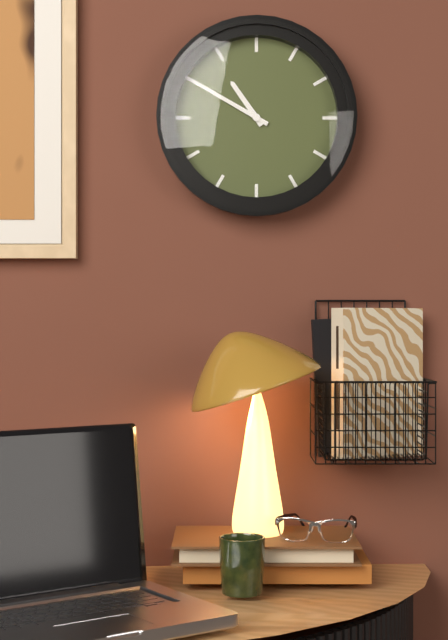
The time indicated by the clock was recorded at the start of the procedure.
10:50
